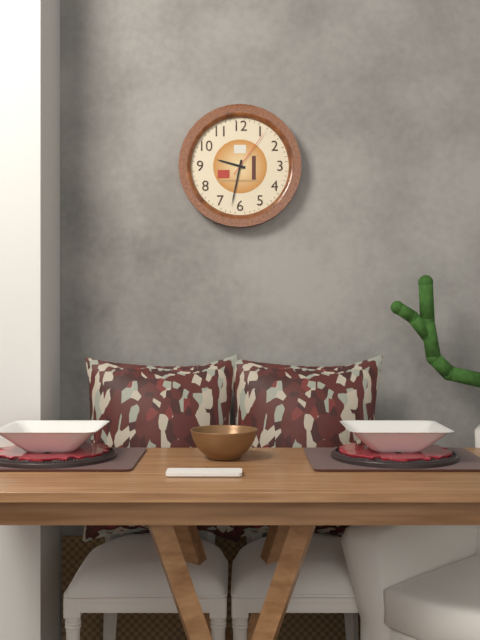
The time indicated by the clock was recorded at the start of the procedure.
9:32:06
